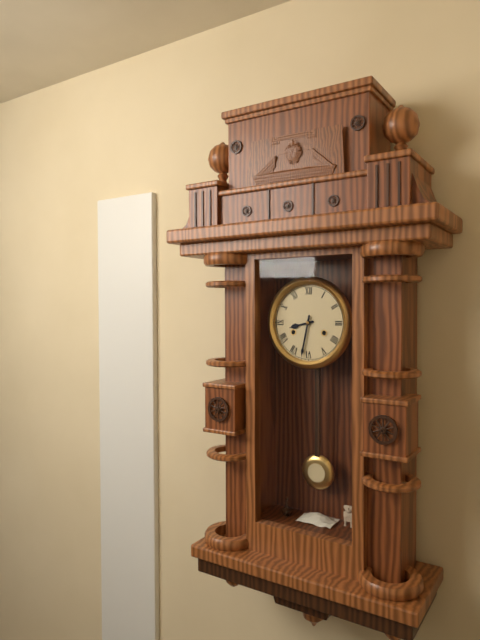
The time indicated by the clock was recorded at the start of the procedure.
8:32
